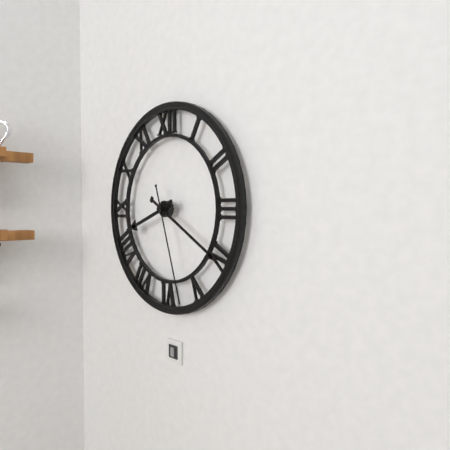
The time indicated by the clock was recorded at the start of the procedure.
8:20:27
